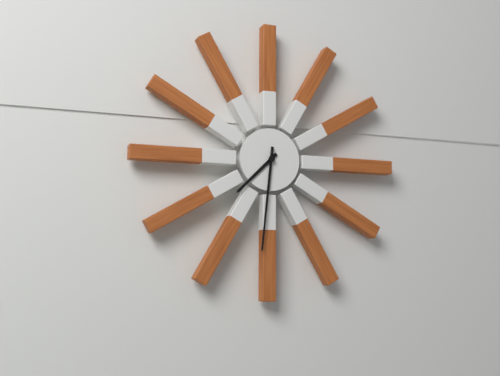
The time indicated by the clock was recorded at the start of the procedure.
7:31
